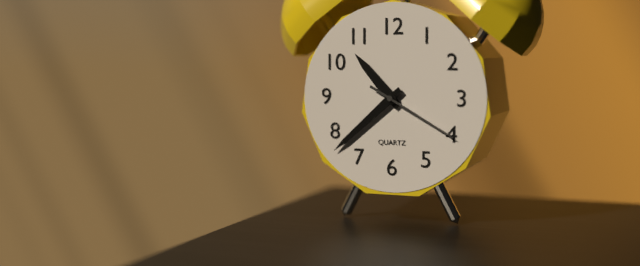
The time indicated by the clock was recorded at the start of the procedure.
10:38:20
